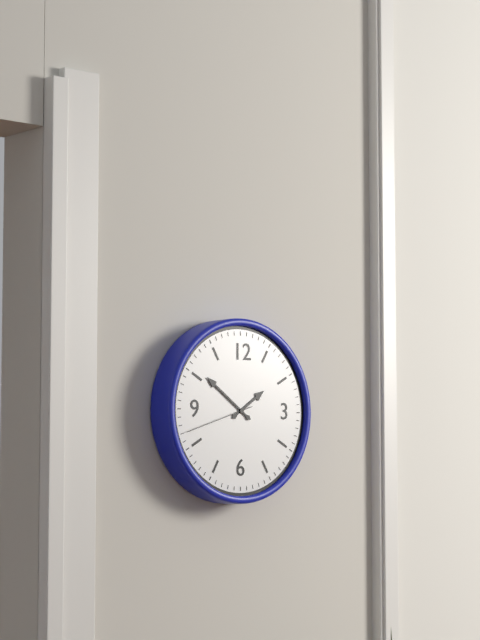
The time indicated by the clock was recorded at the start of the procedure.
1:51:42
